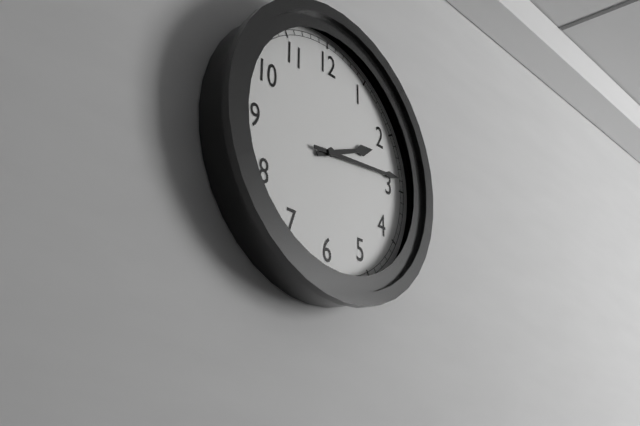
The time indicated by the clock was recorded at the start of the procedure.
2:14
